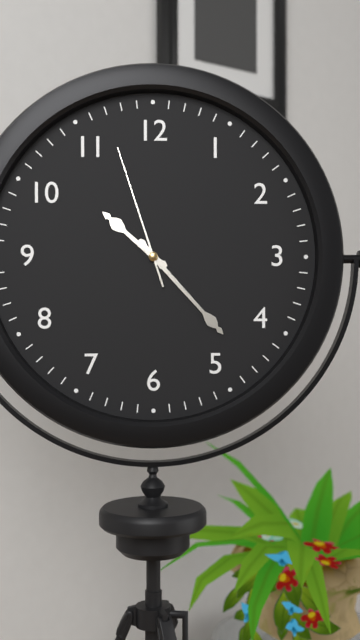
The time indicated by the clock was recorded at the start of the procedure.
10:23:57
